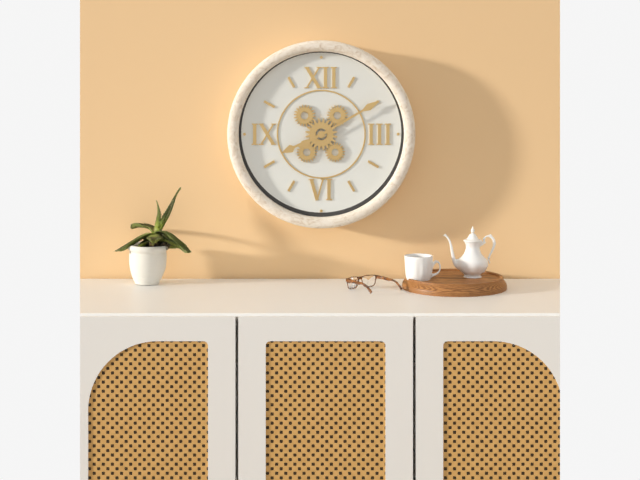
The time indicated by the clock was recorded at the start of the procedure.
8:10
